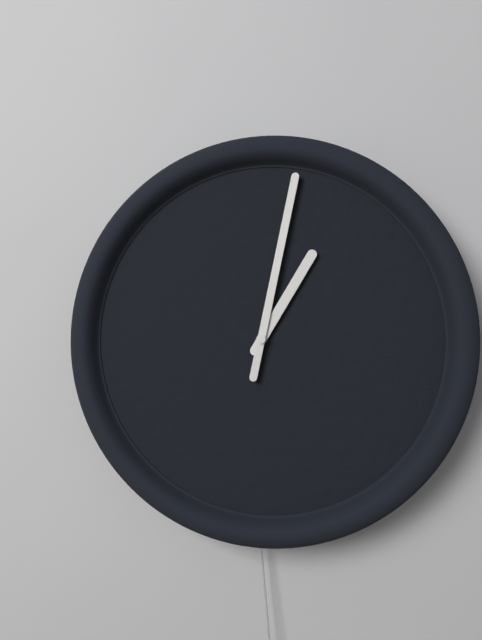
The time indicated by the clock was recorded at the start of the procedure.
1:02
